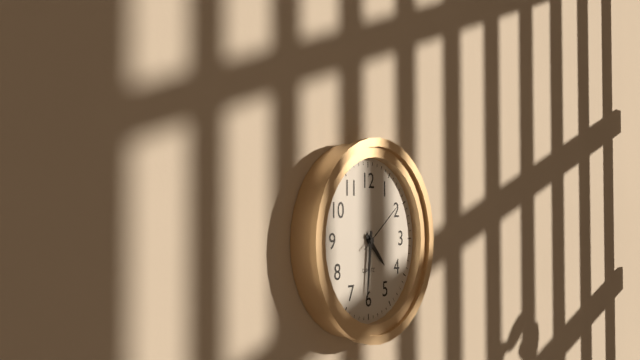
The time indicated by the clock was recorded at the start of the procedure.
4:31:09
